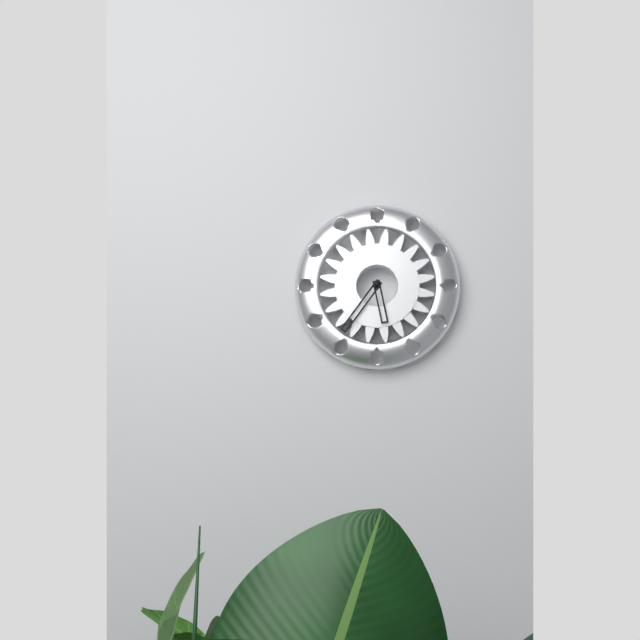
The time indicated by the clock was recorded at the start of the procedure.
5:36
